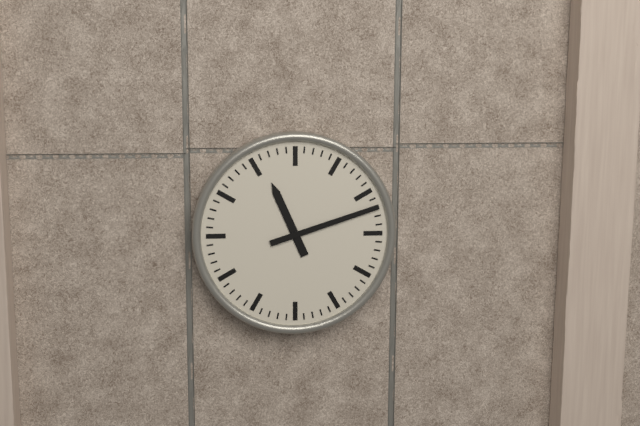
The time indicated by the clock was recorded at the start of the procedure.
11:12
